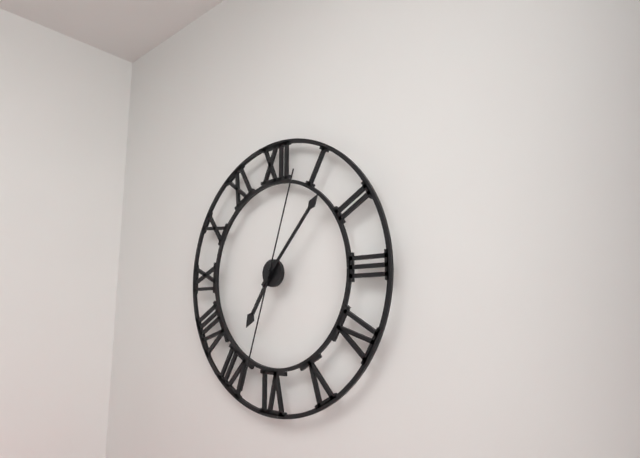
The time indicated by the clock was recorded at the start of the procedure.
7:07:33
